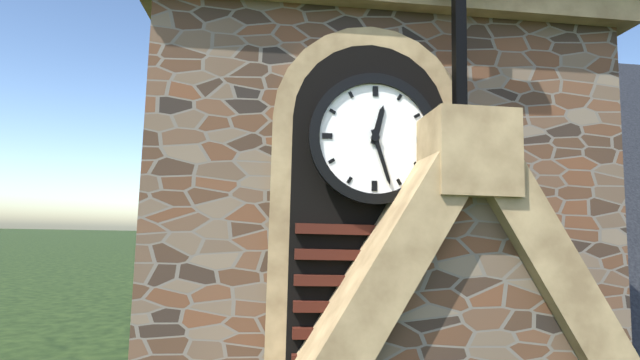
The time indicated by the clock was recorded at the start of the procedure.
12:27
